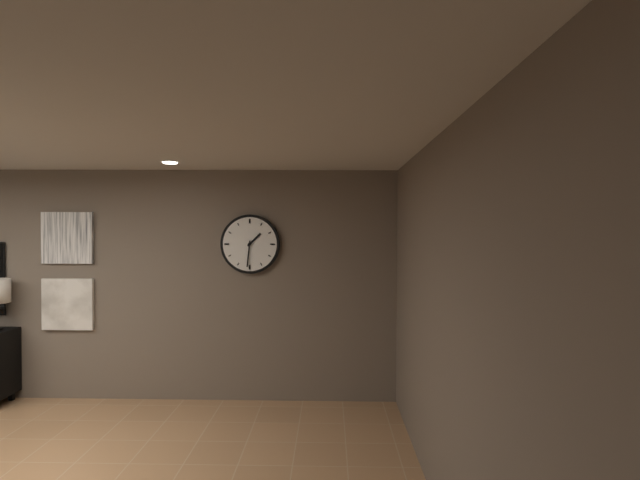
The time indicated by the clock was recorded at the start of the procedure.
1:31
